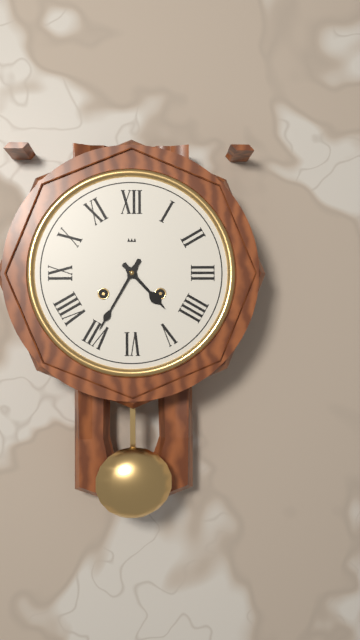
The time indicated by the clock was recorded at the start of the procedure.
4:35
